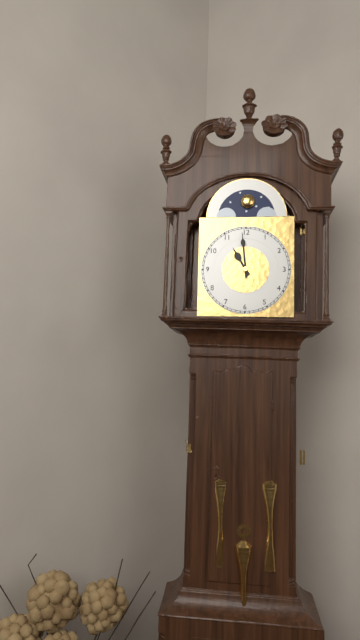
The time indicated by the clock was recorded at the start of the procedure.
10:59
